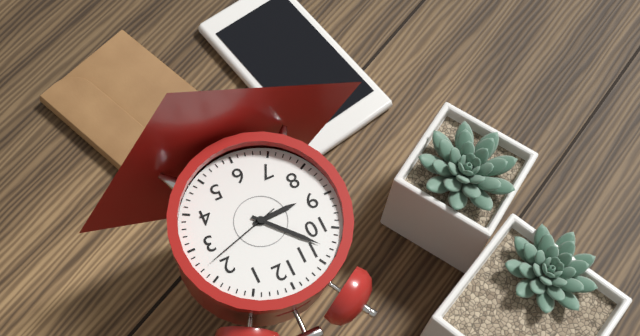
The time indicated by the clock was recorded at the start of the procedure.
8:53:12
